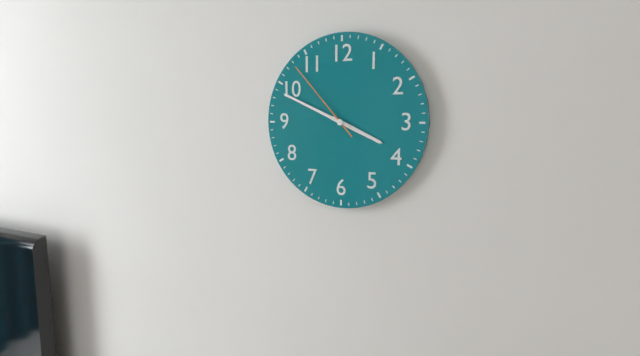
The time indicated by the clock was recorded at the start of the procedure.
3:49:53
